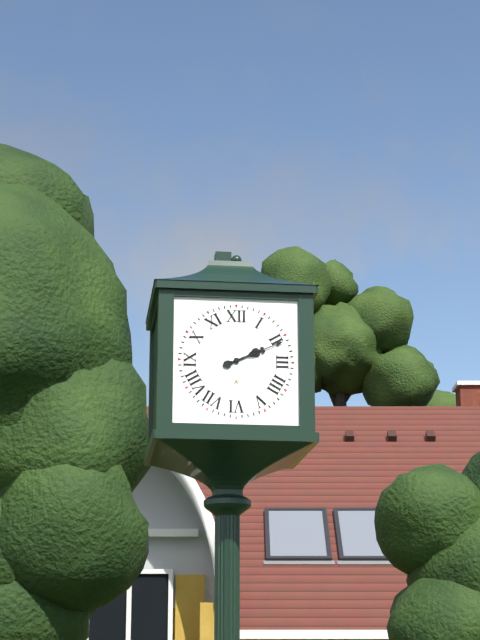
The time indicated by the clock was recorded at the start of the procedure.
2:11
